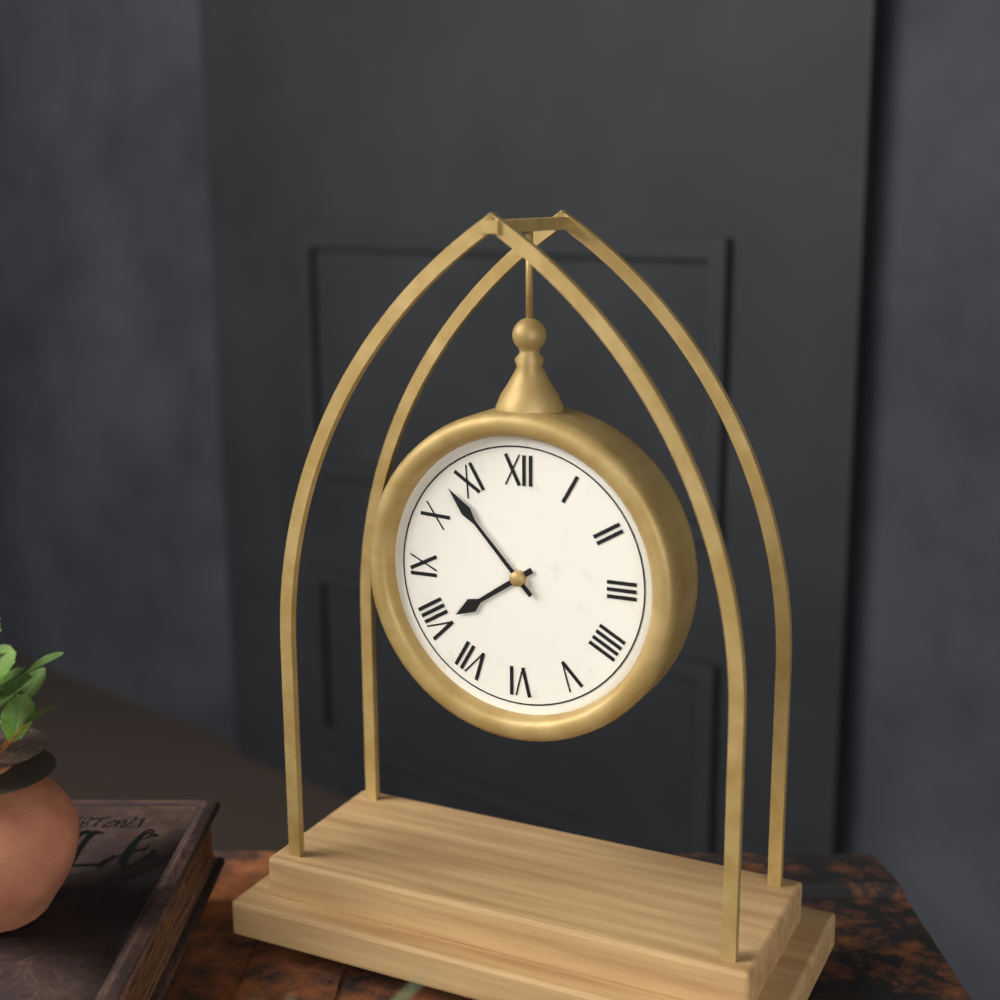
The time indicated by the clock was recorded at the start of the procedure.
7:53
